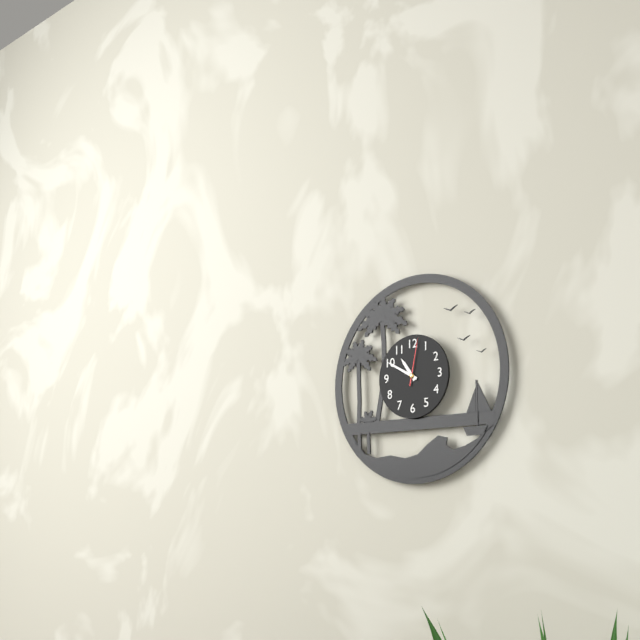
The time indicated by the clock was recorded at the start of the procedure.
10:50
